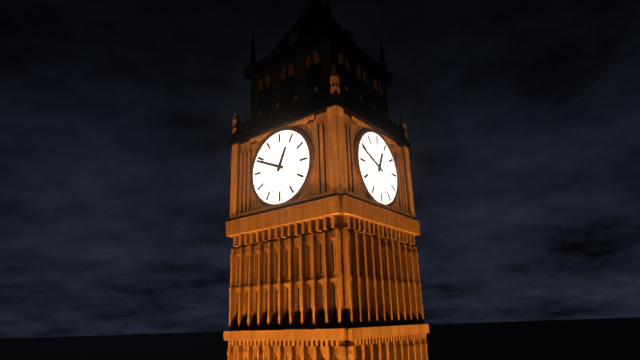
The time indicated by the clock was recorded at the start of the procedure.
12:49
